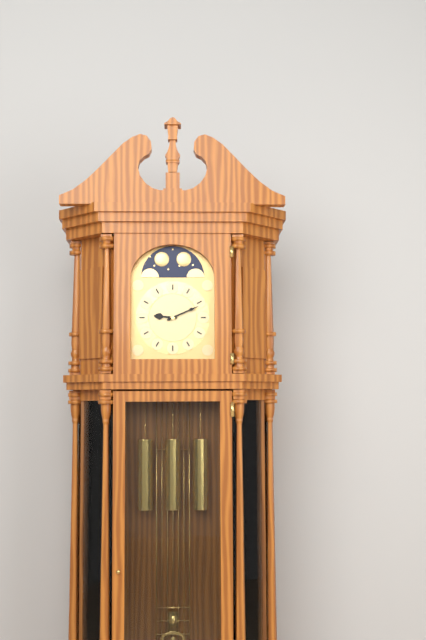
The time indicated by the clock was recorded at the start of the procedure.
9:11
